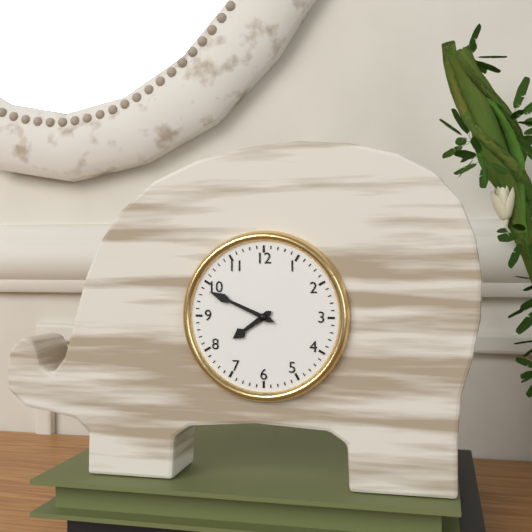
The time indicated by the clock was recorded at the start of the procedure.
7:49
